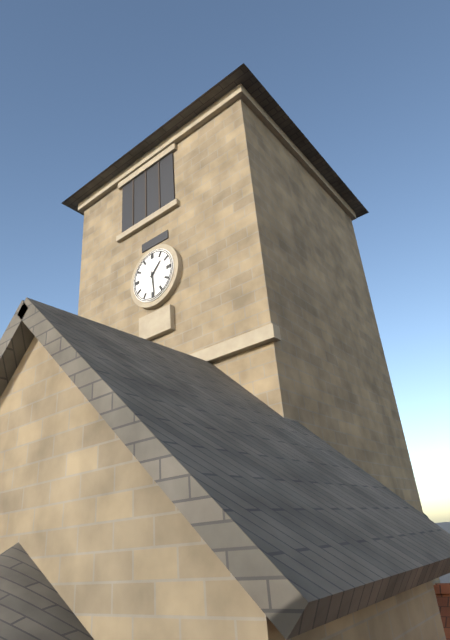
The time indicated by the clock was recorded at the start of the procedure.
1:29
